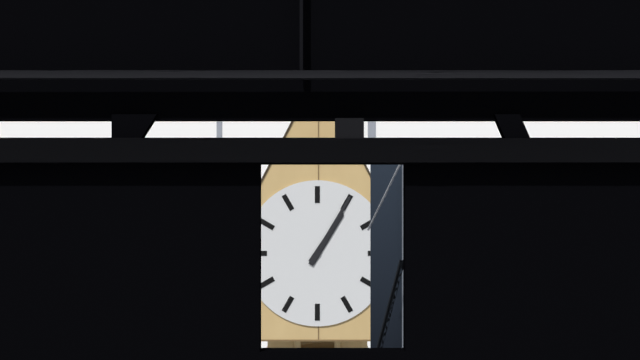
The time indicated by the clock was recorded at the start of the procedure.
1:05
